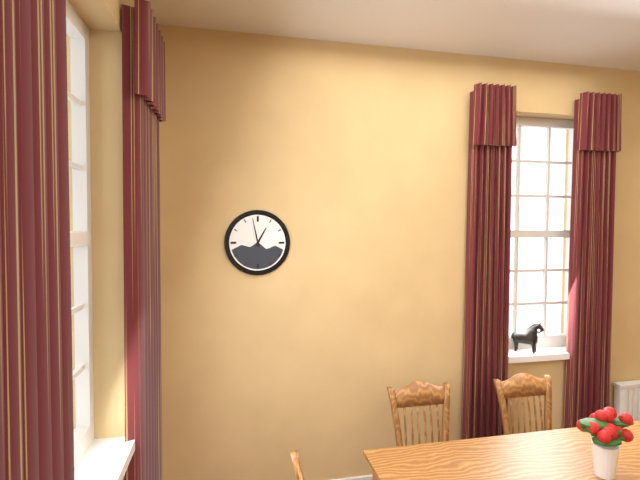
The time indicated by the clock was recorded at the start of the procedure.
12:58
